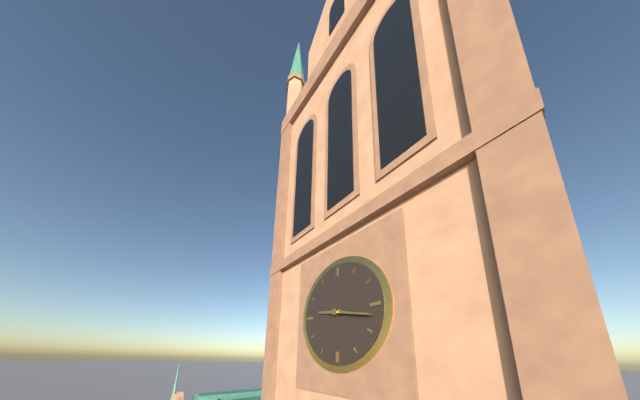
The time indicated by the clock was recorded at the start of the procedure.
9:17
